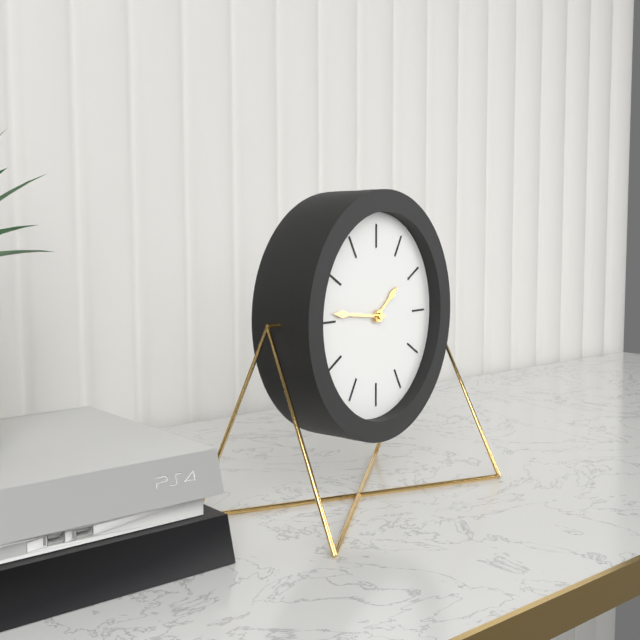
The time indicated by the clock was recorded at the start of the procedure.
1:46
